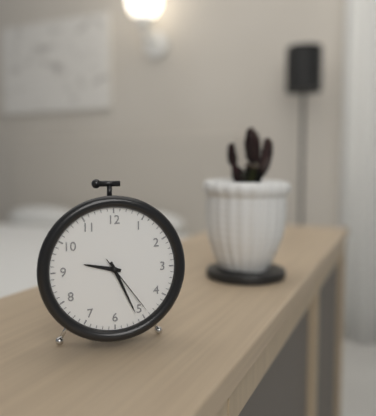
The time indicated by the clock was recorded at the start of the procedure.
9:26:24
